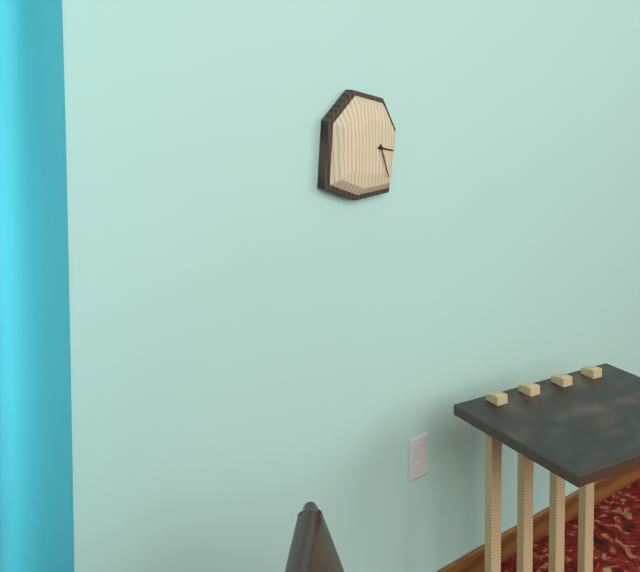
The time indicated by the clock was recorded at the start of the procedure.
3:27
